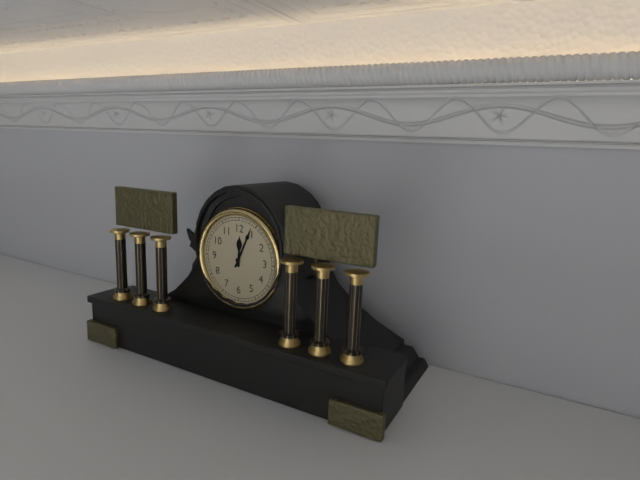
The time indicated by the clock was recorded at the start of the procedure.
12:04
